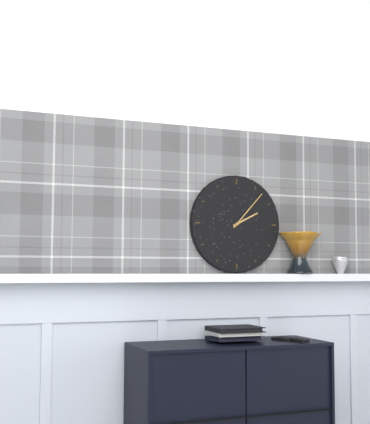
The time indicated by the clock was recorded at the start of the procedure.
2:07
